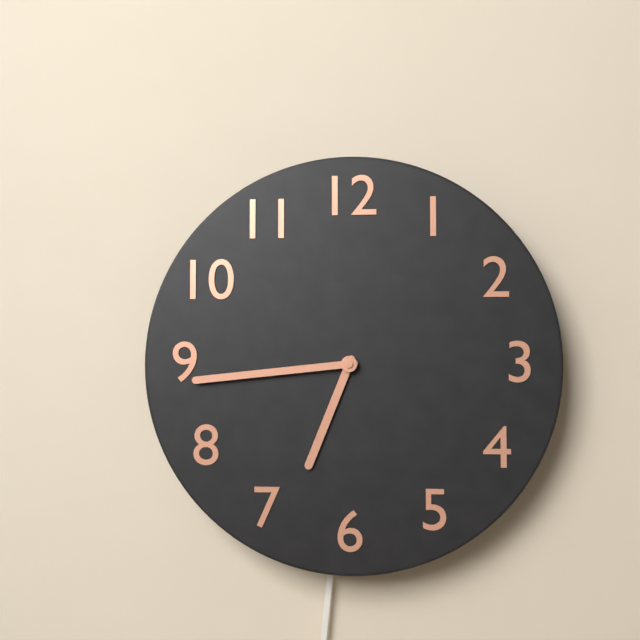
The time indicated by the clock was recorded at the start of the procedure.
6:44
